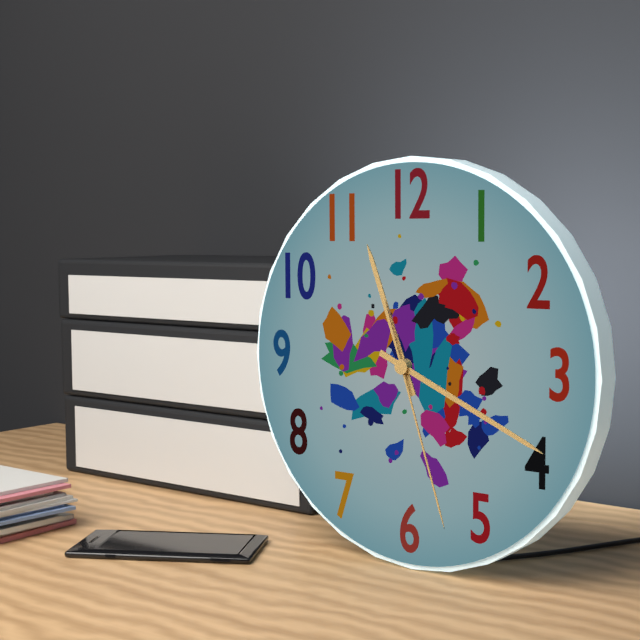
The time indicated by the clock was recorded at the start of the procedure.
11:19:27
